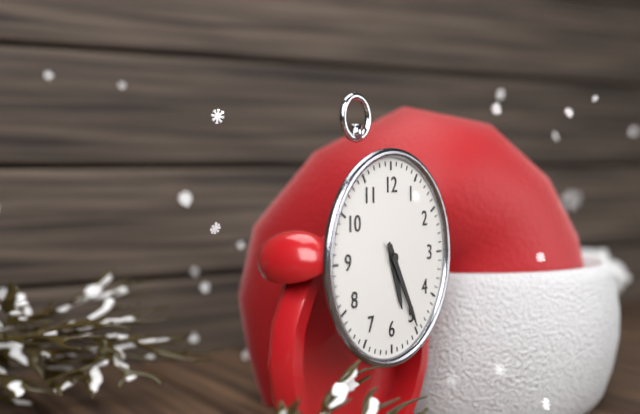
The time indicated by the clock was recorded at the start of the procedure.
5:25
